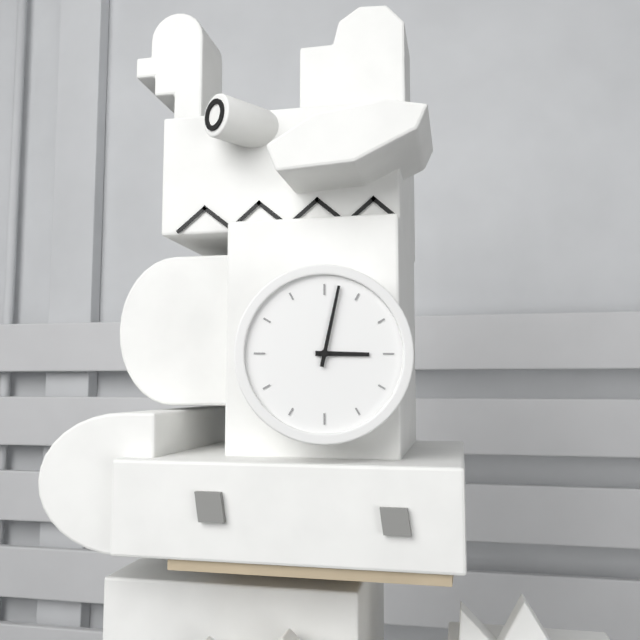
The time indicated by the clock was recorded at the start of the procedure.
3:02
